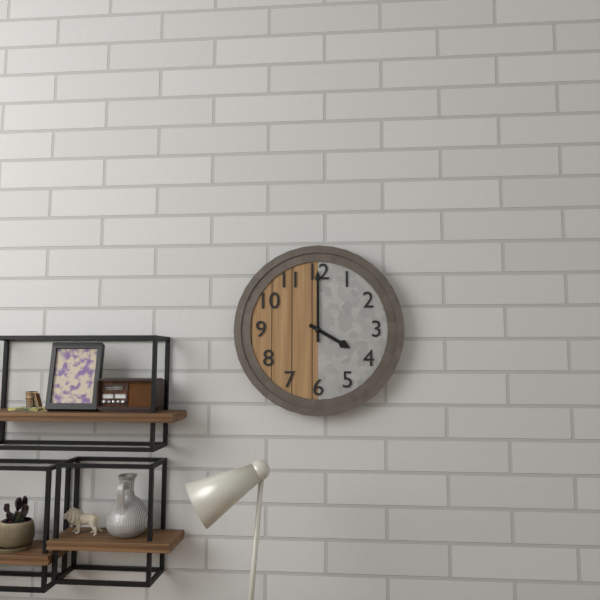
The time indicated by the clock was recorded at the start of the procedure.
4:00
